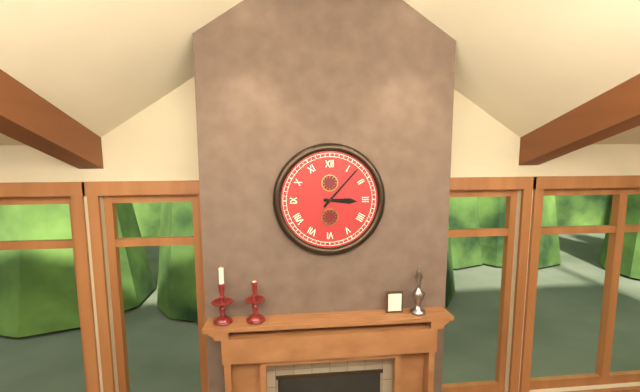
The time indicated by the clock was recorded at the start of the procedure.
3:07
